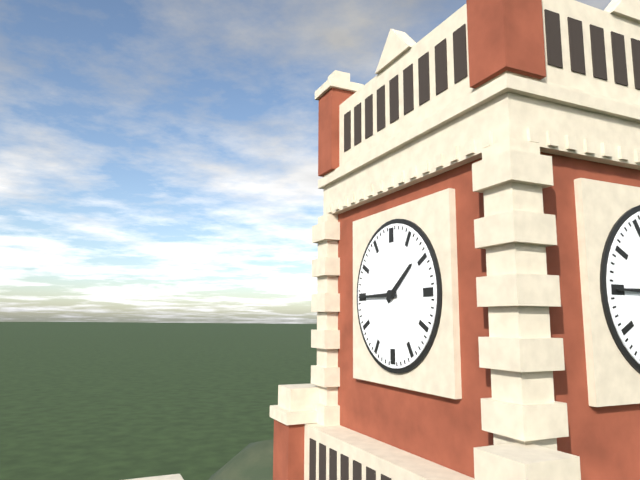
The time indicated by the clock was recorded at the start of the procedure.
1:45
